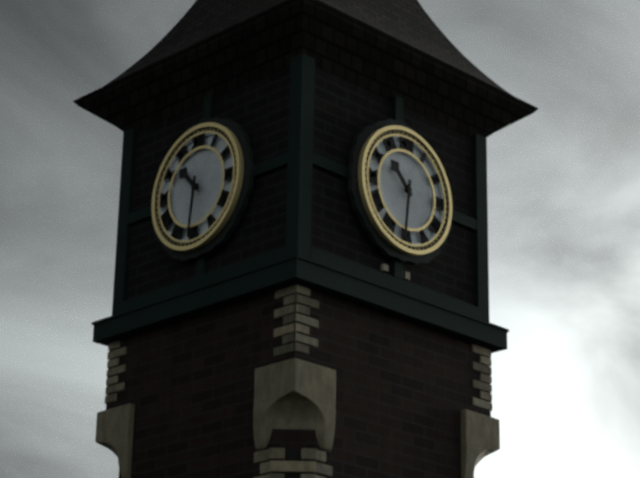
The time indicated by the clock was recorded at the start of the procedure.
10:31
